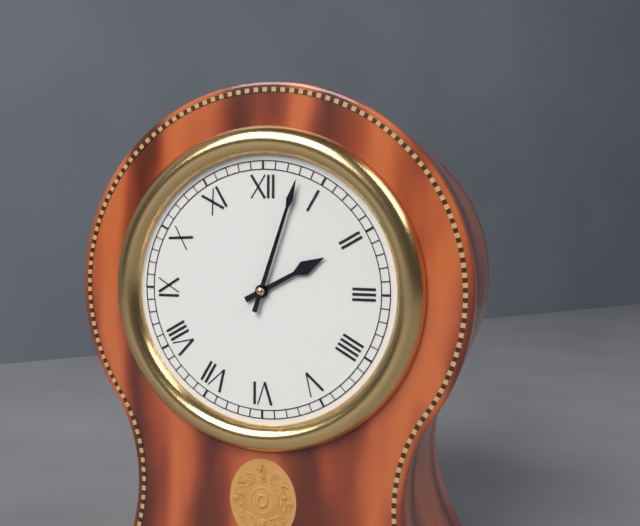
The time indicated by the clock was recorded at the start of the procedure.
2:03
